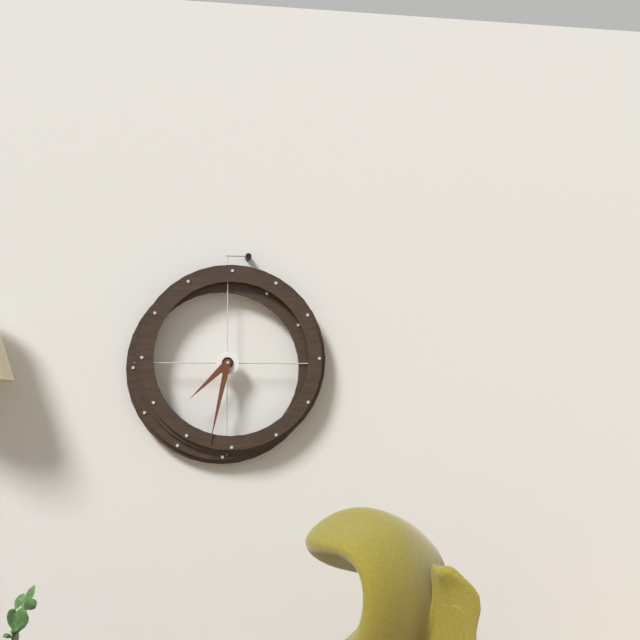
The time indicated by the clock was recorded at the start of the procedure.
7:32
